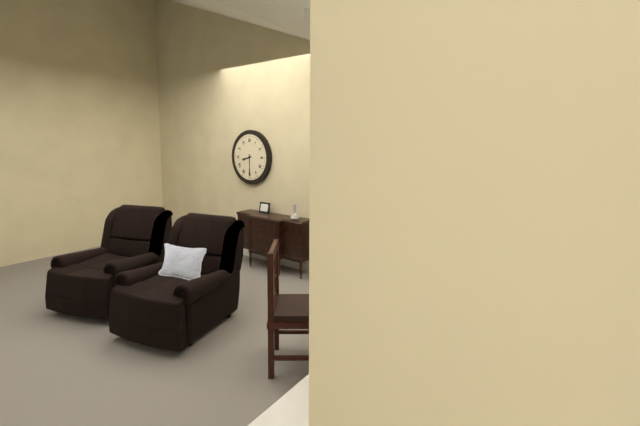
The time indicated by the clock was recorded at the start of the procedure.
8:30
